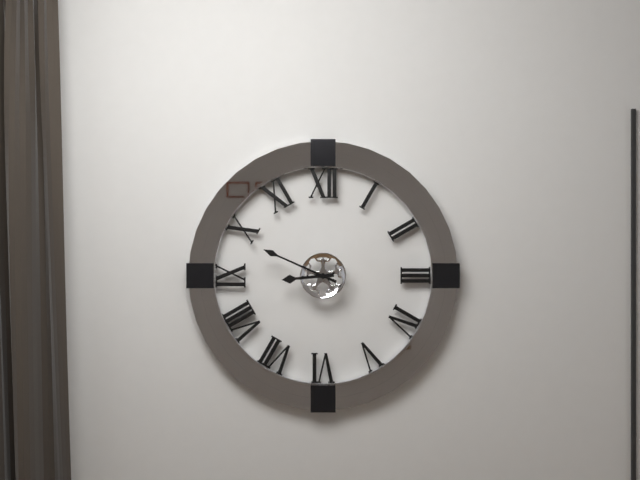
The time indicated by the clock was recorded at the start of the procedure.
8:49
